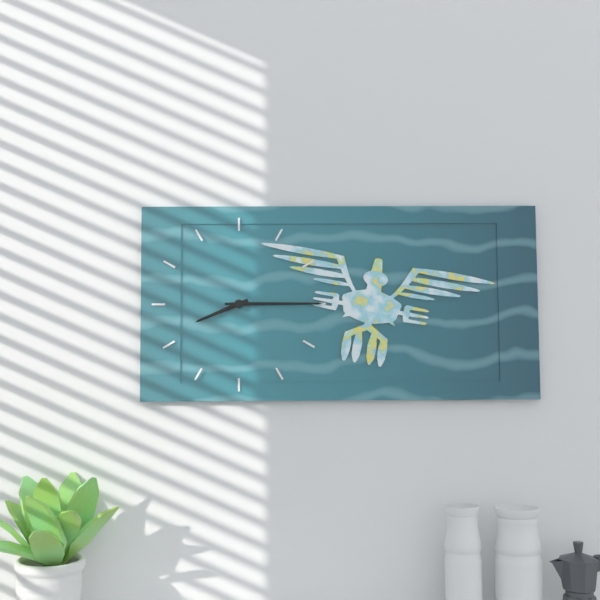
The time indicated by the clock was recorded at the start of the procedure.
8:15
